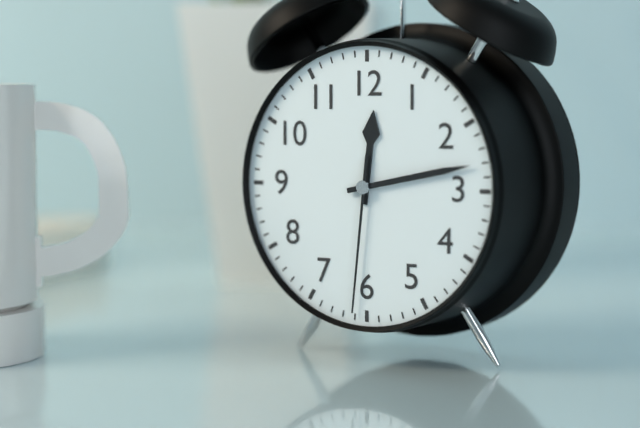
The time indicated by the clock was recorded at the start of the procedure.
12:13:31
